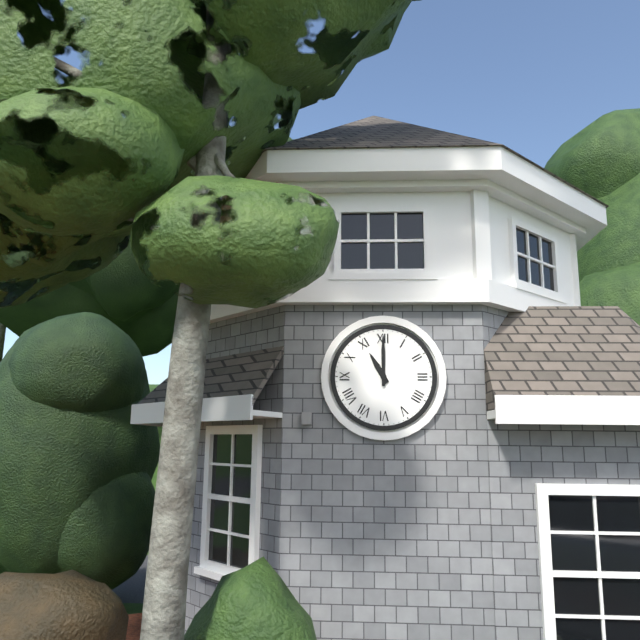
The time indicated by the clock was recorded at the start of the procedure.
11:00
